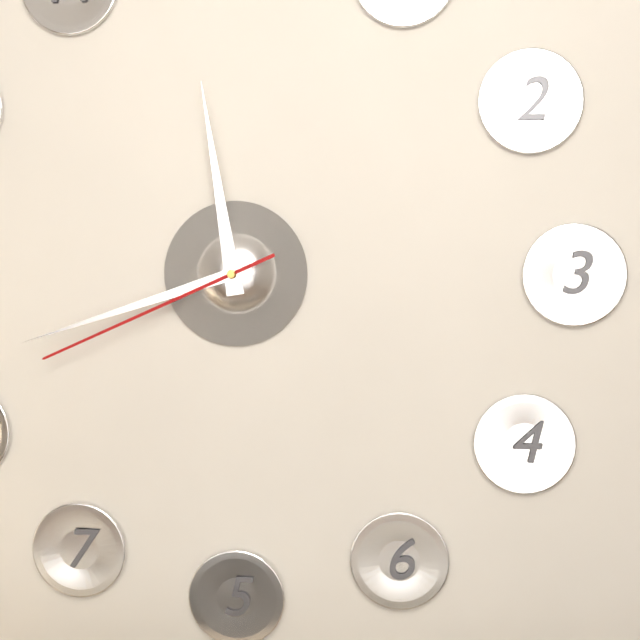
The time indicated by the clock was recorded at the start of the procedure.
11:42:41
